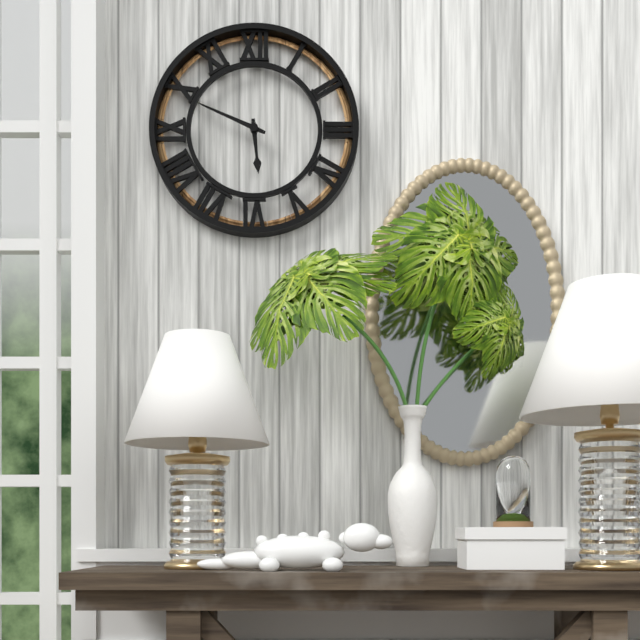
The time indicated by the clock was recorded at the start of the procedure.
5:49
